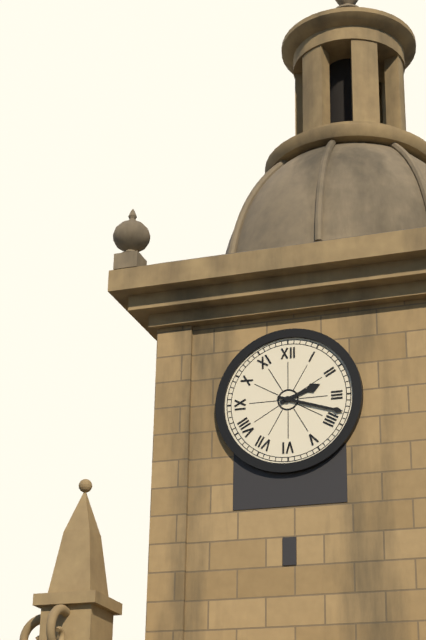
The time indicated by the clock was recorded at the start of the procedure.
2:18
